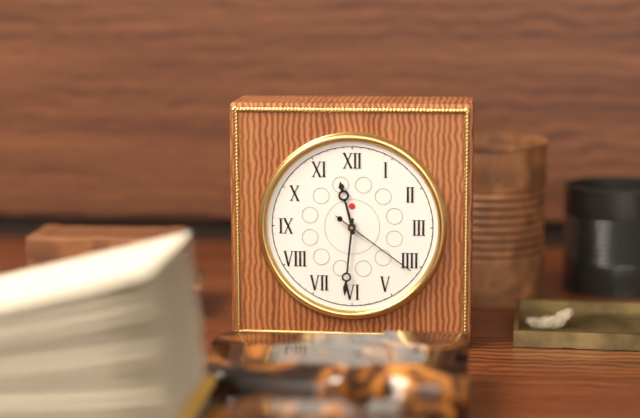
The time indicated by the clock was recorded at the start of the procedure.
11:31:21
